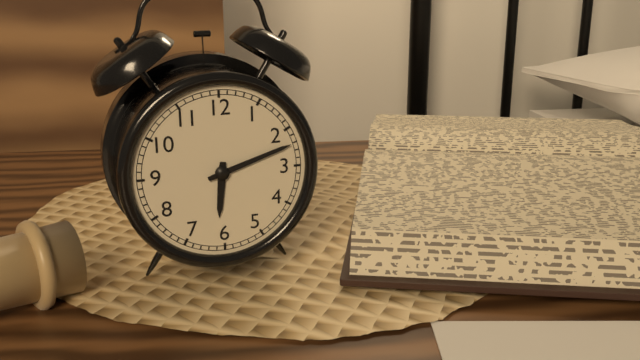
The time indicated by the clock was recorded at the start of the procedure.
6:12
